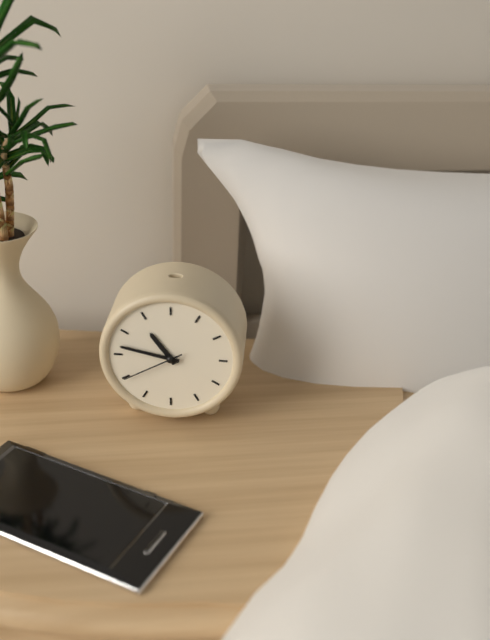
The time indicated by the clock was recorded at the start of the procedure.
10:47:40
